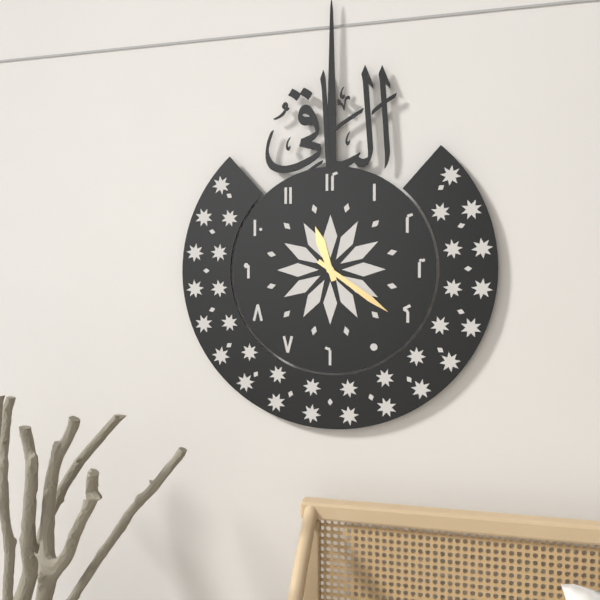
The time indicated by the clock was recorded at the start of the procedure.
11:21
